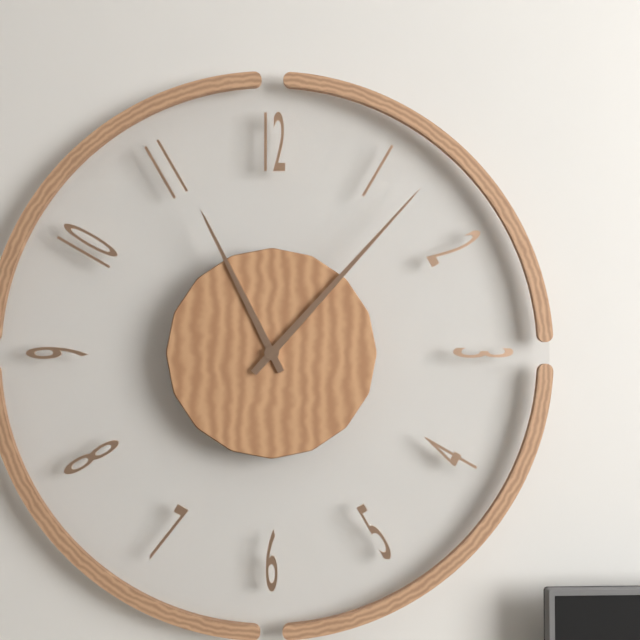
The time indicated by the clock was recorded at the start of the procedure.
11:07
